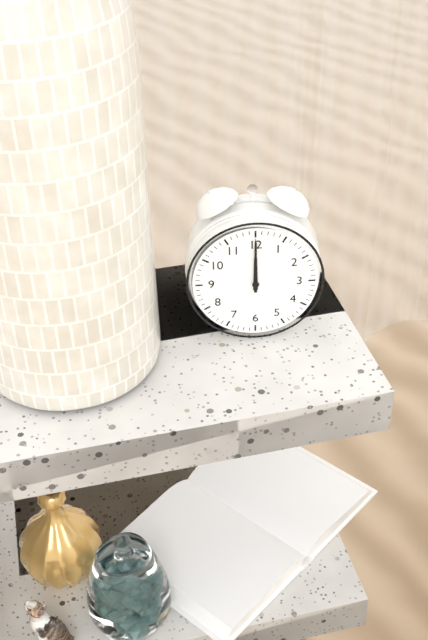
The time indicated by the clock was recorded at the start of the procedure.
12:00
